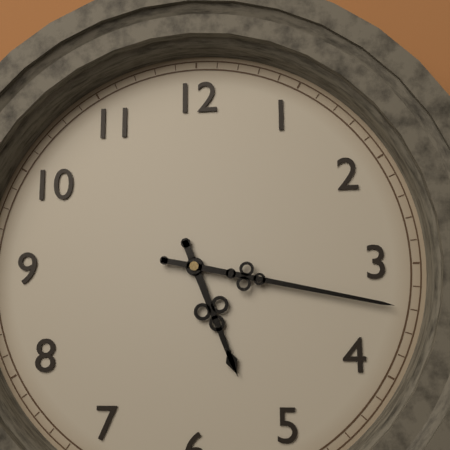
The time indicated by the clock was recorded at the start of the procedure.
5:17
